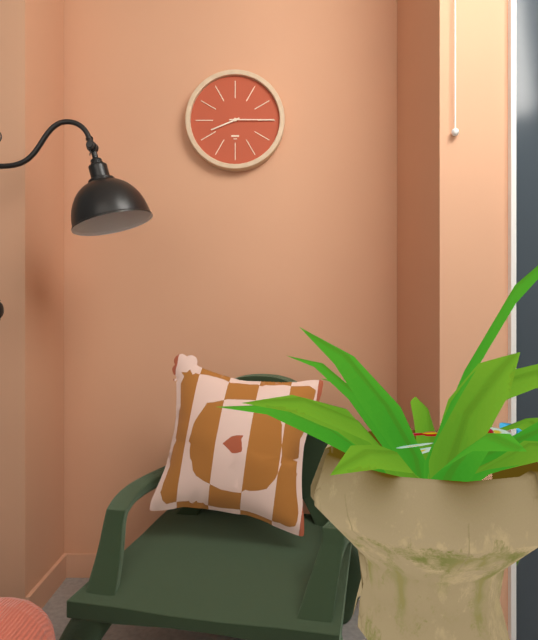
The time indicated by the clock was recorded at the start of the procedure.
8:15
